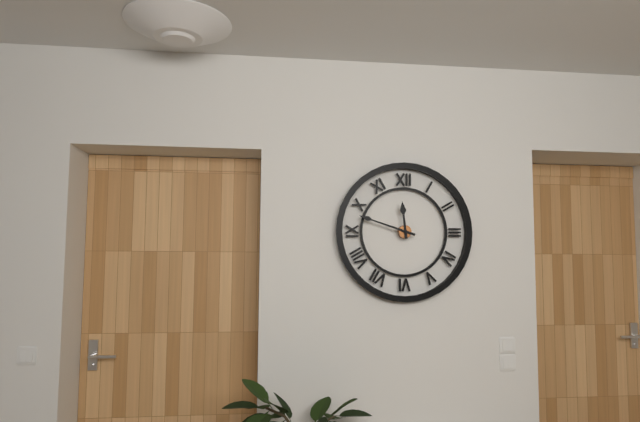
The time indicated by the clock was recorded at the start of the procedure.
11:48
